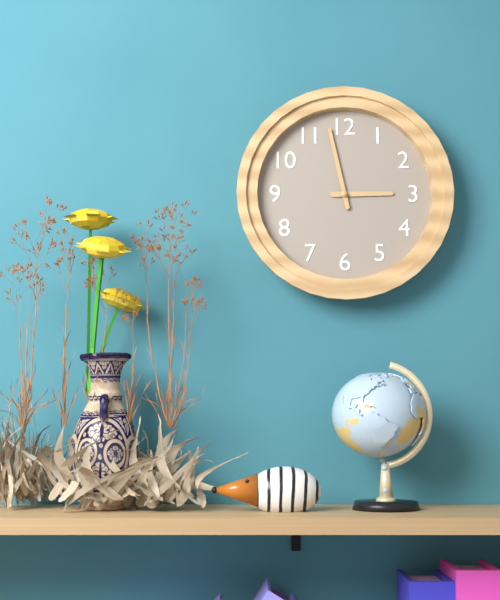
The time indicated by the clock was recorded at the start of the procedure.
2:58
